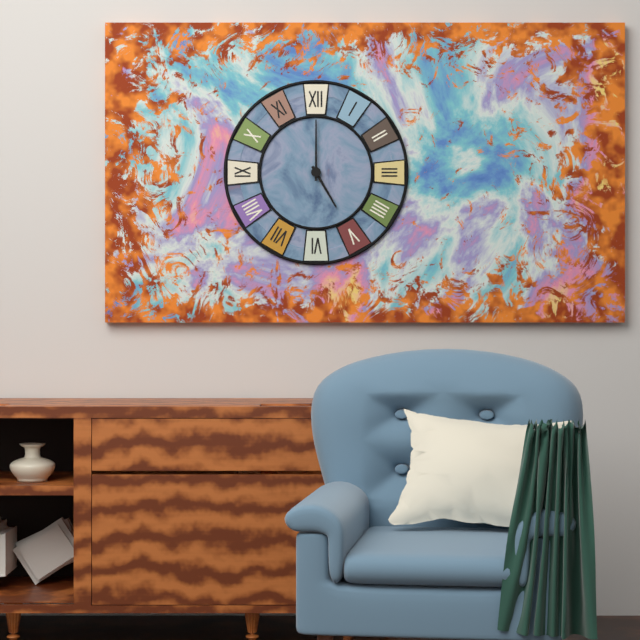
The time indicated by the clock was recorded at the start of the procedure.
5:00
